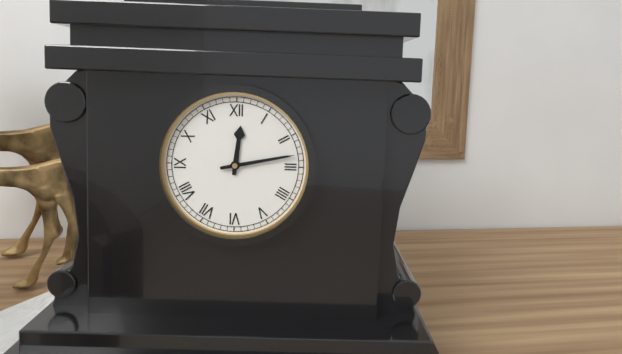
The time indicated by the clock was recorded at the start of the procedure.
12:13
